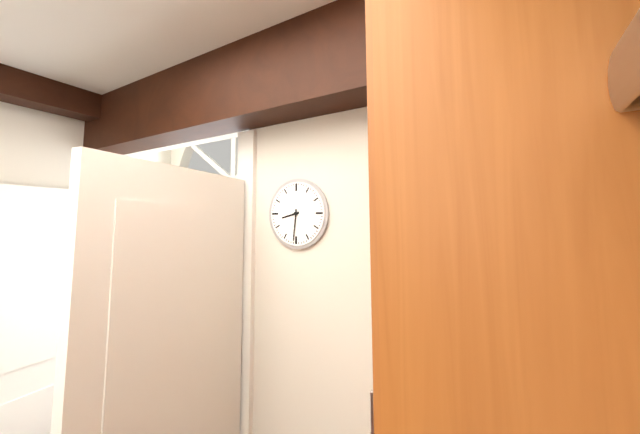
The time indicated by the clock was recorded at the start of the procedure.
8:31
